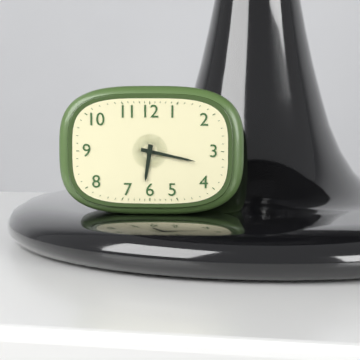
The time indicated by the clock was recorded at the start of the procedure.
6:17
